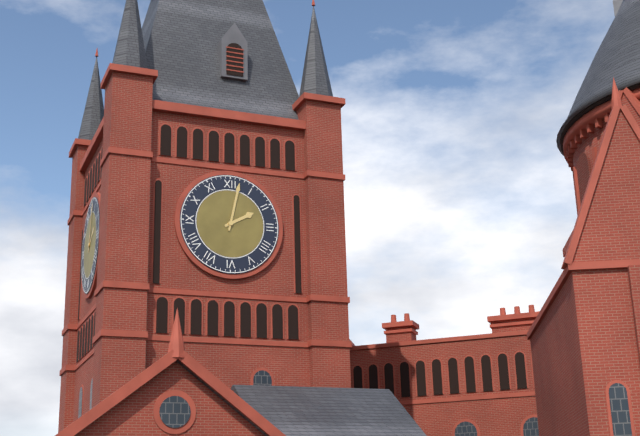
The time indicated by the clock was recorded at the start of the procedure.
2:02
